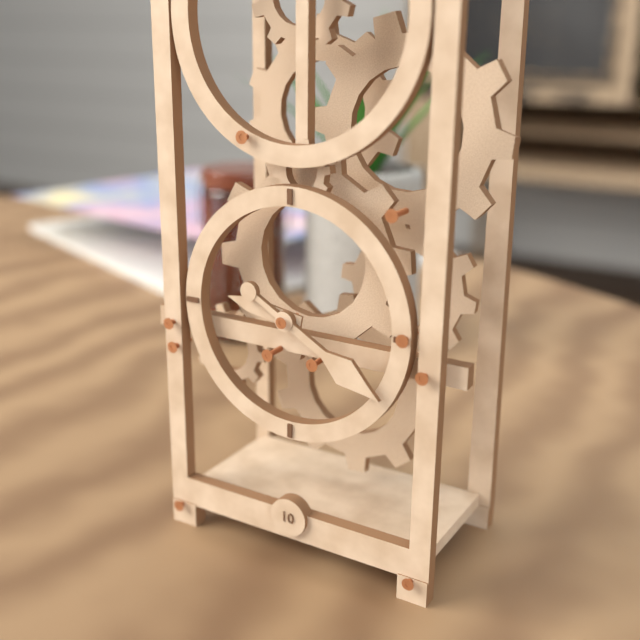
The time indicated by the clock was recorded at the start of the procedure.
9:20
